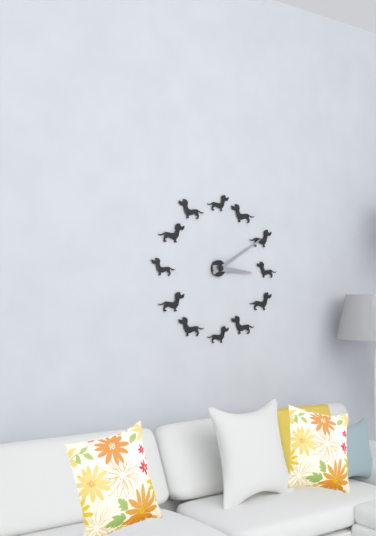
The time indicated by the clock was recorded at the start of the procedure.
3:10
